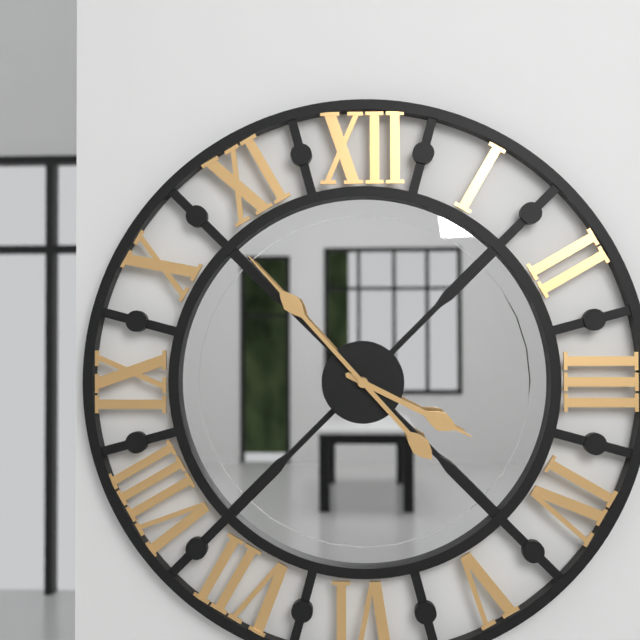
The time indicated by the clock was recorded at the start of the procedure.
3:53
